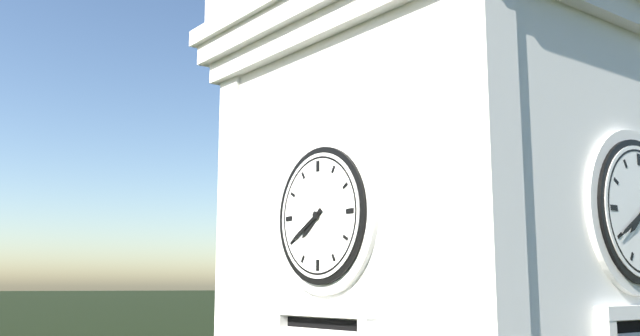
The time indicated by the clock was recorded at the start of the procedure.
7:40
